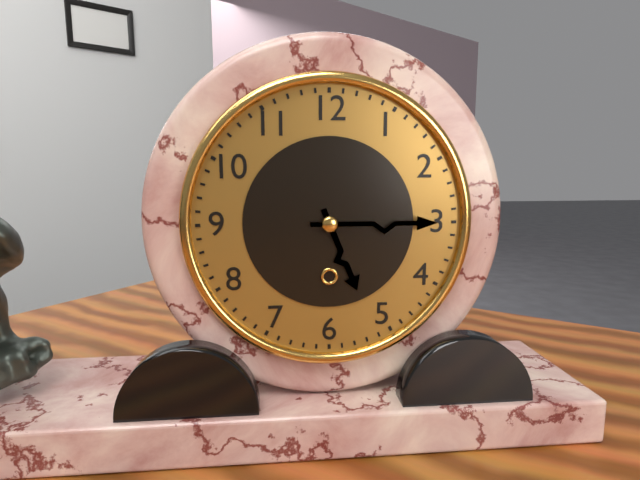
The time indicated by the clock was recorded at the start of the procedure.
5:15
